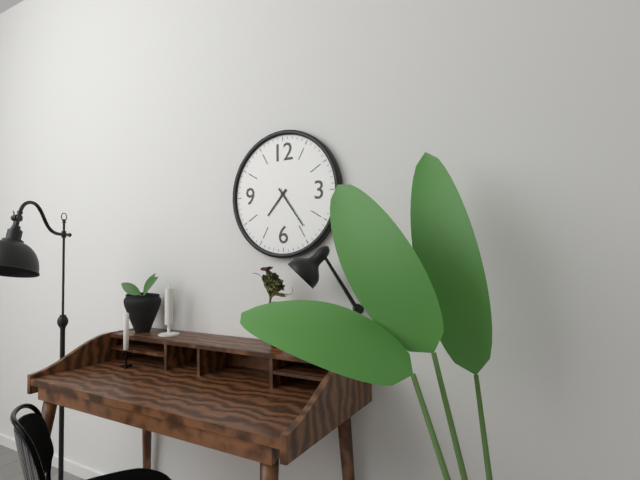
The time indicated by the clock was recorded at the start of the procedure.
7:24
